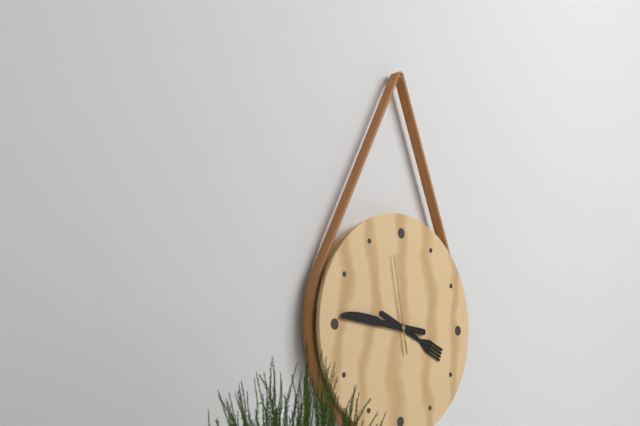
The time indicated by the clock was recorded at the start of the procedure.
3:46:58
